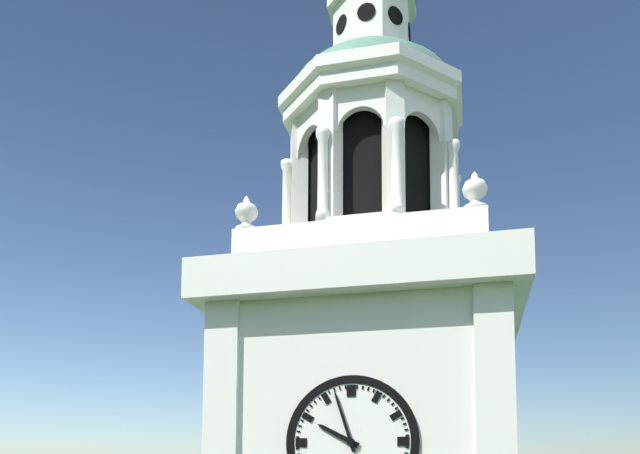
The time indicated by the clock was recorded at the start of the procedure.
9:57
